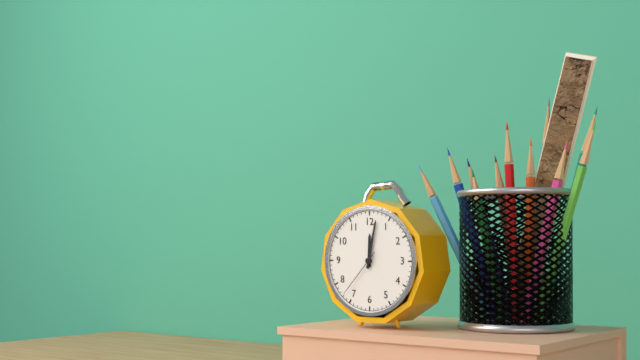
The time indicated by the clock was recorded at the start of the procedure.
12:02:37
